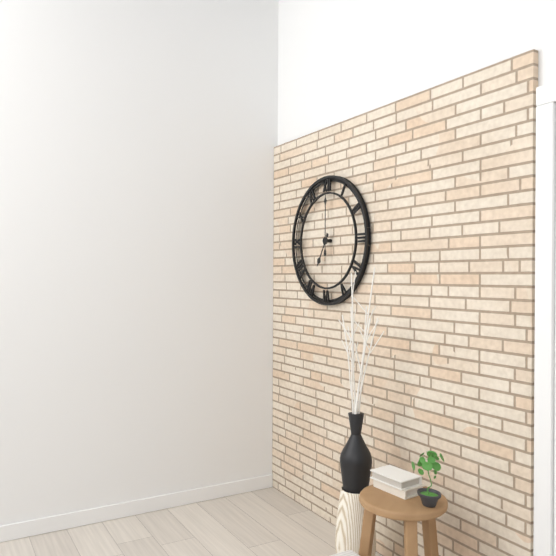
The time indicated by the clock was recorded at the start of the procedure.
7:00
